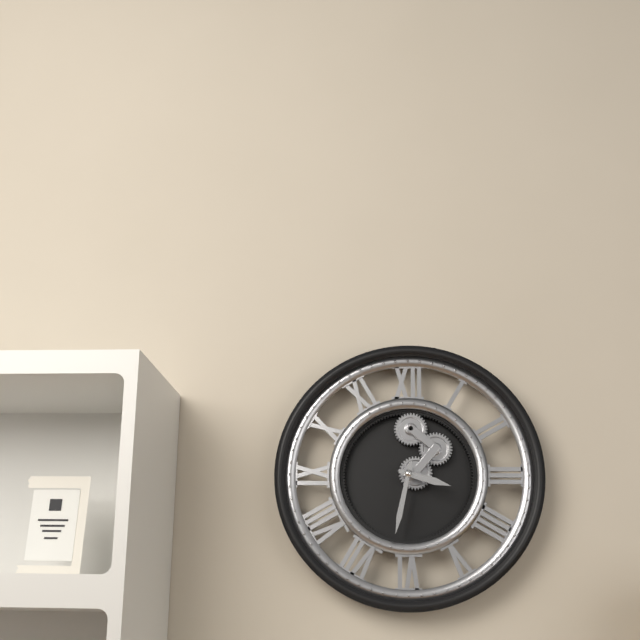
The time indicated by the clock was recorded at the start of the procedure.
3:32
